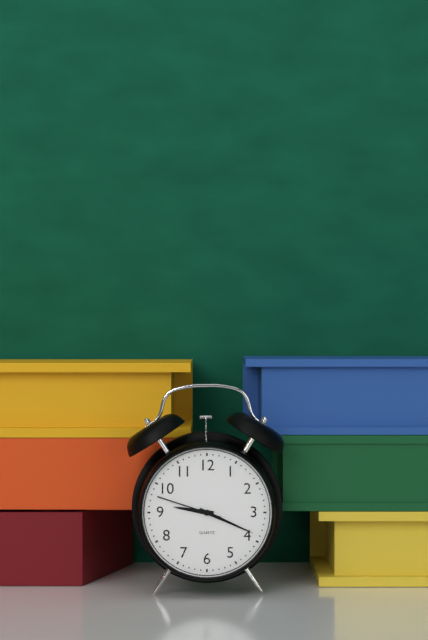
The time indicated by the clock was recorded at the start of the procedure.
9:19:48
